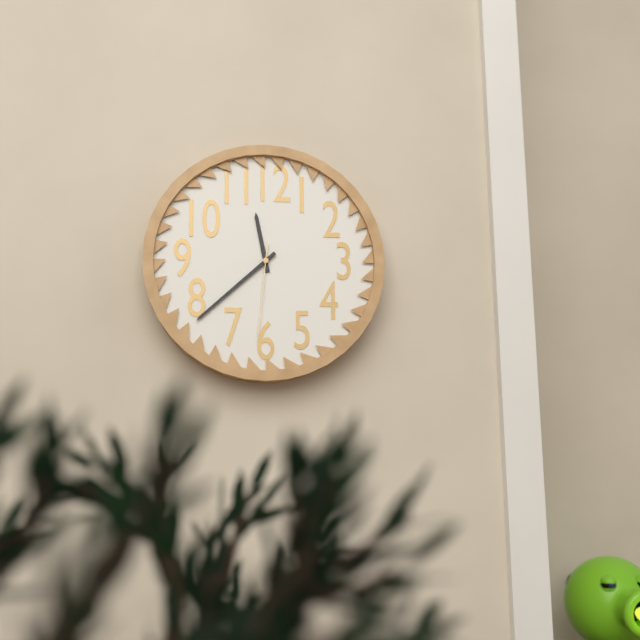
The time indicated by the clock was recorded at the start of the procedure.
11:38:31
